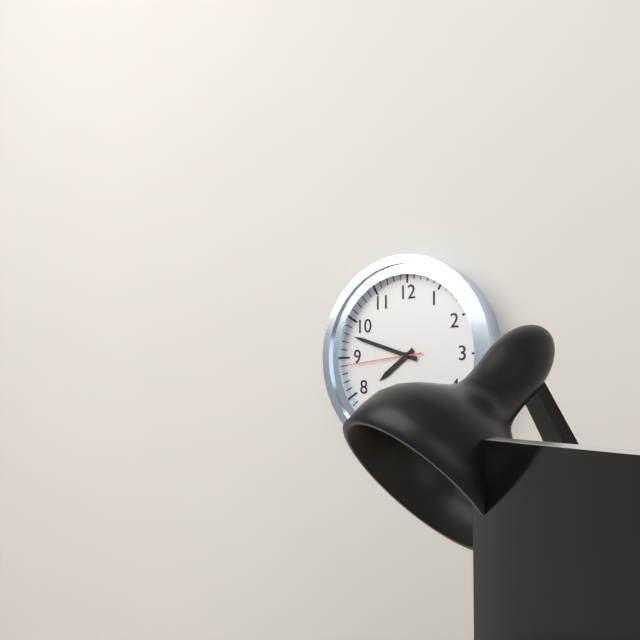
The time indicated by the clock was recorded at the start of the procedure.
7:48:44
